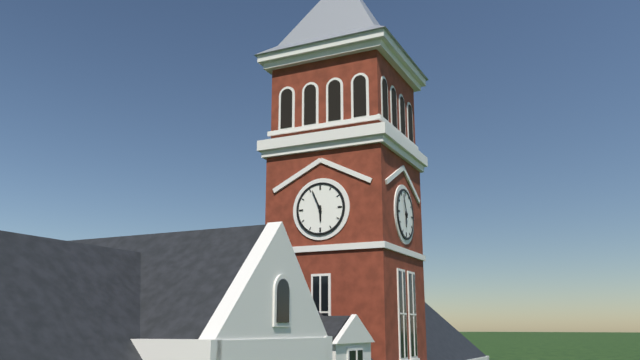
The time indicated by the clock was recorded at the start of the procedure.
5:56
